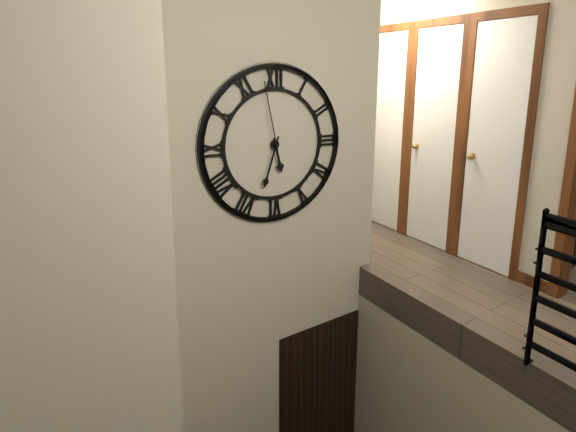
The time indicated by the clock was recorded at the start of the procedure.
5:33:58
